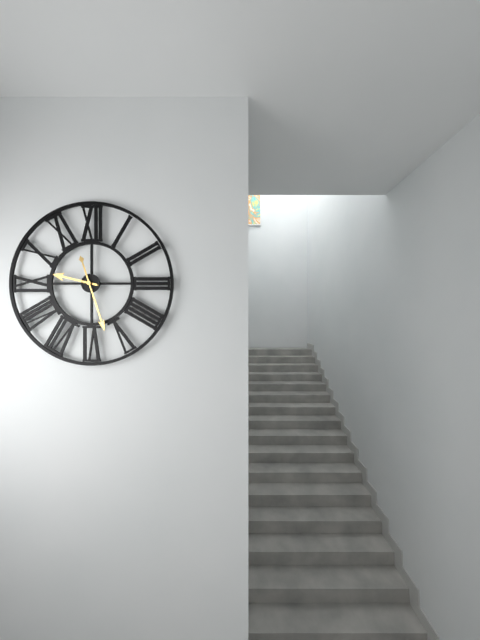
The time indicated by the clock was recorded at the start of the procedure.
9:27
